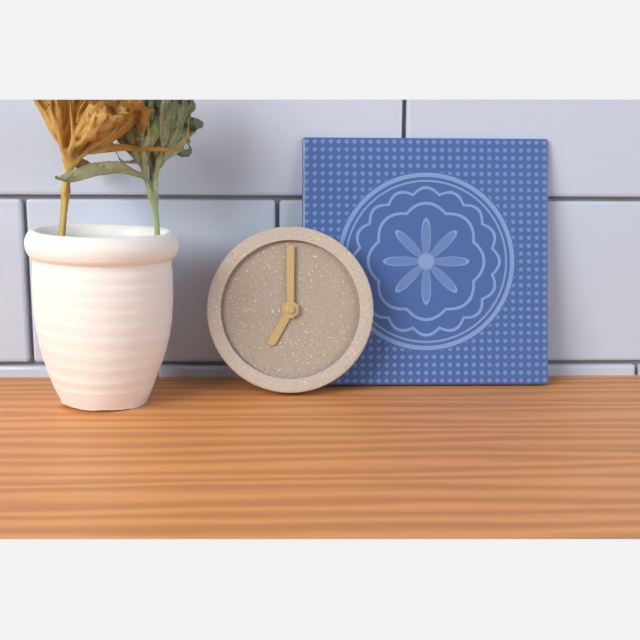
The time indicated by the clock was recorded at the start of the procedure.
7:00
